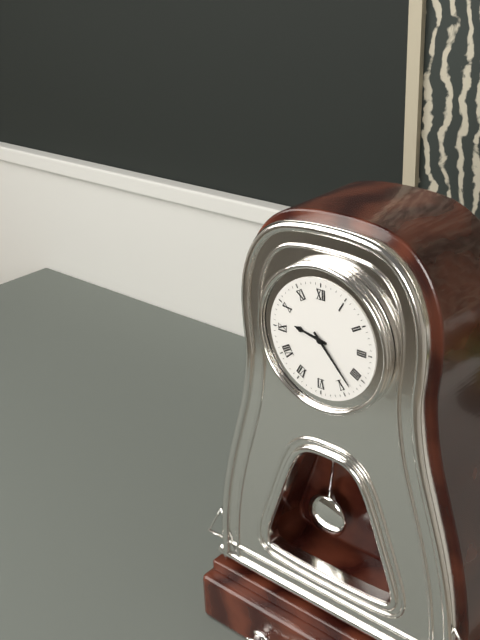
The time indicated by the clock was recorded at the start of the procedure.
9:23
